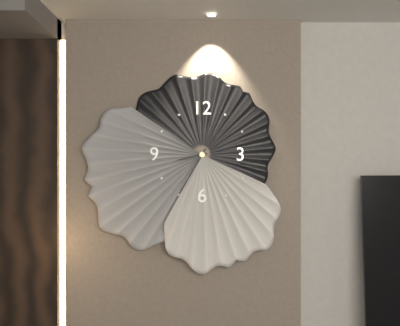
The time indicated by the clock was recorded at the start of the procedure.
8:35
